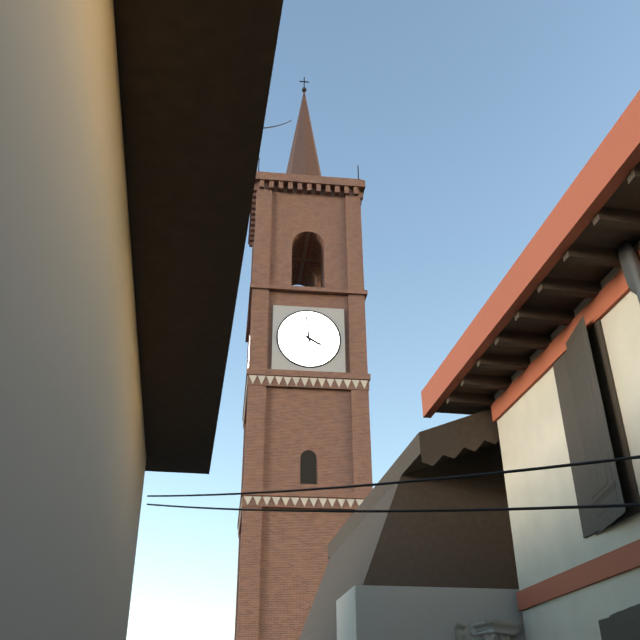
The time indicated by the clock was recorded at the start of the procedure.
3:59
